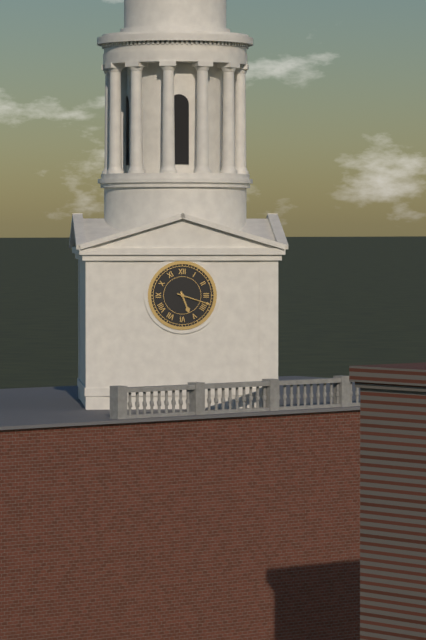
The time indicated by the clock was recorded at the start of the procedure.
5:18
